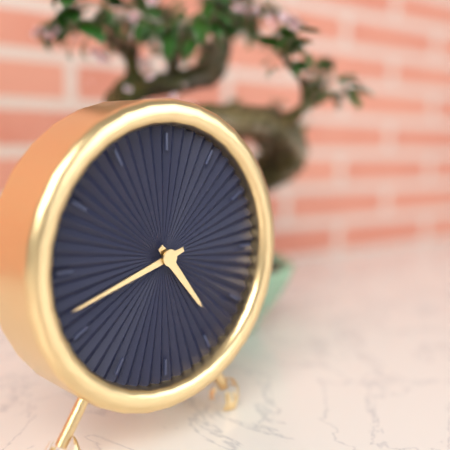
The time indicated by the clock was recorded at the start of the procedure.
4:42
